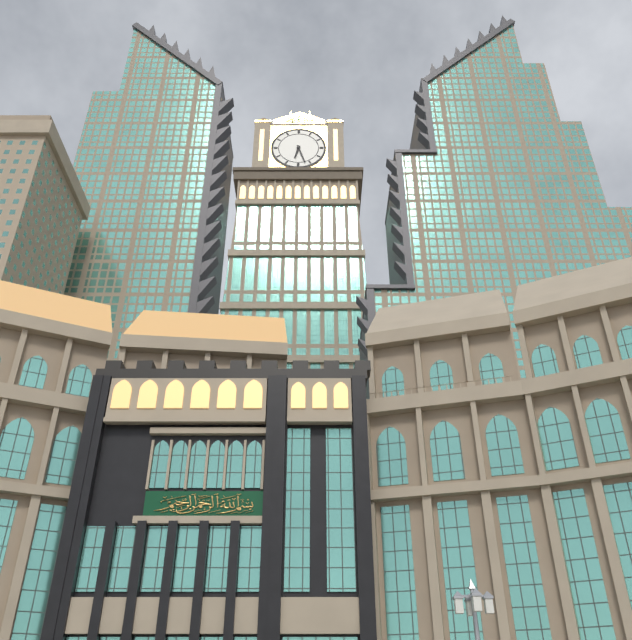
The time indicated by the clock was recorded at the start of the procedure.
6:27
